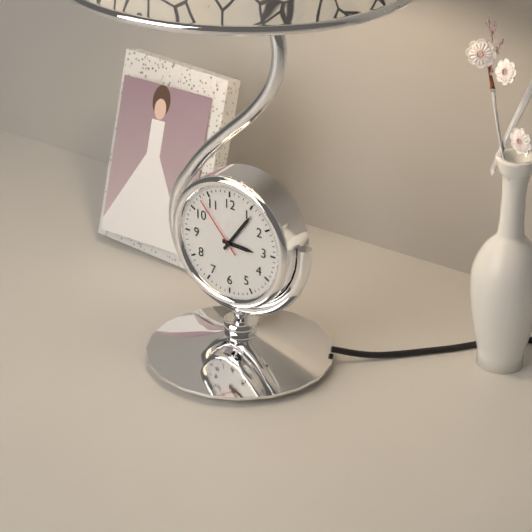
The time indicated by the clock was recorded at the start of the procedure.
3:06:53
